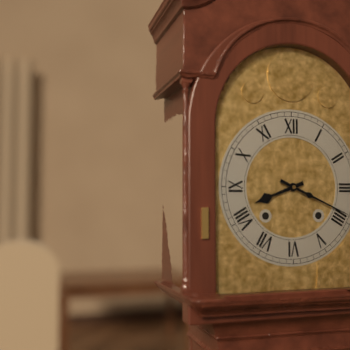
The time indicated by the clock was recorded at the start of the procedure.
8:19
